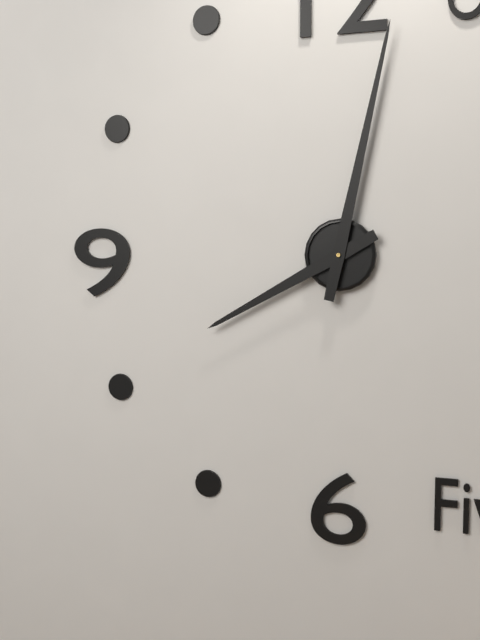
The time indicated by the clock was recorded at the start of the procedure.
8:02
